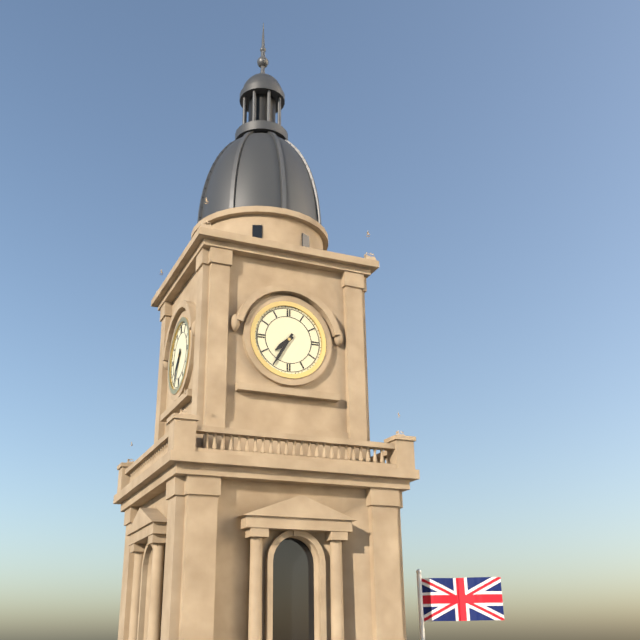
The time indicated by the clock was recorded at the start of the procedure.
7:35
